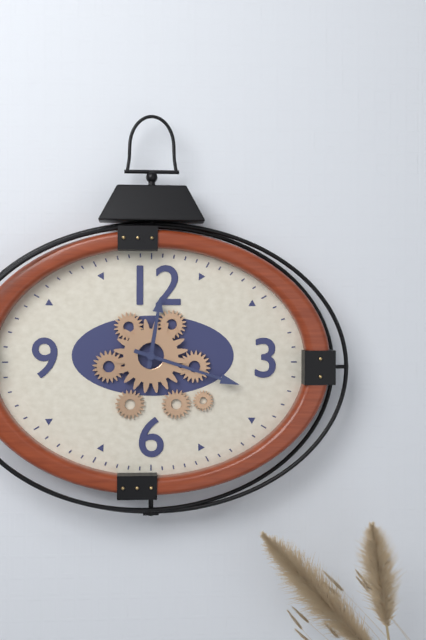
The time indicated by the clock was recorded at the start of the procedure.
12:18
